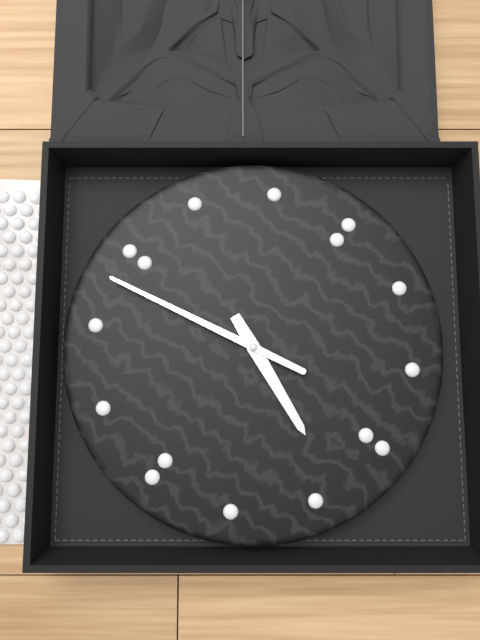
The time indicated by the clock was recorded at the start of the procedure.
3:43
